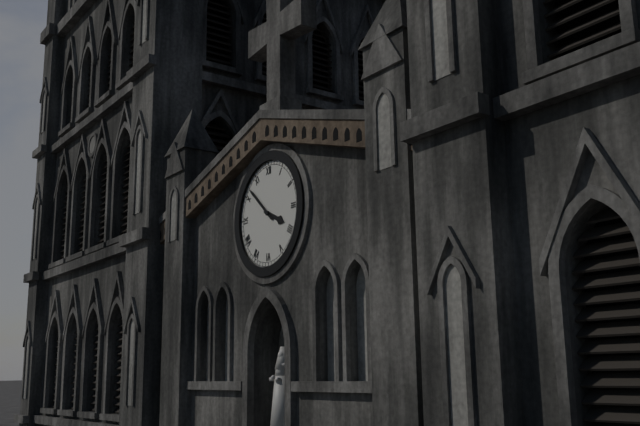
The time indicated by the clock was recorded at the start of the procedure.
3:52
